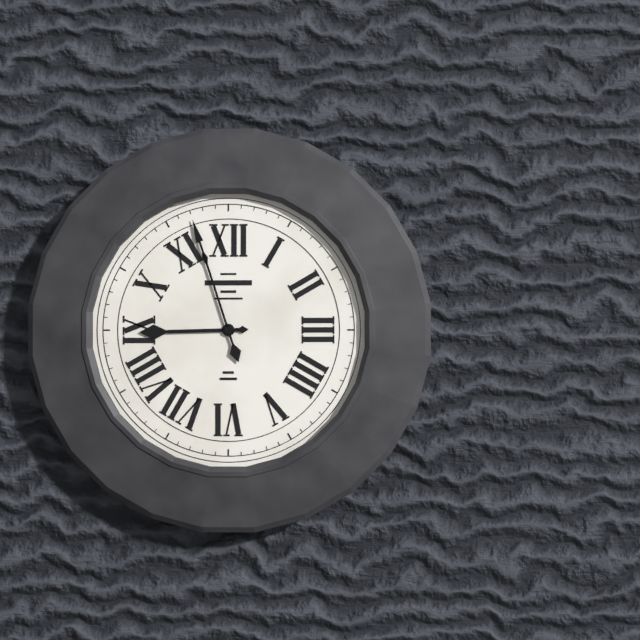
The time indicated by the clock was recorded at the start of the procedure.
8:57
